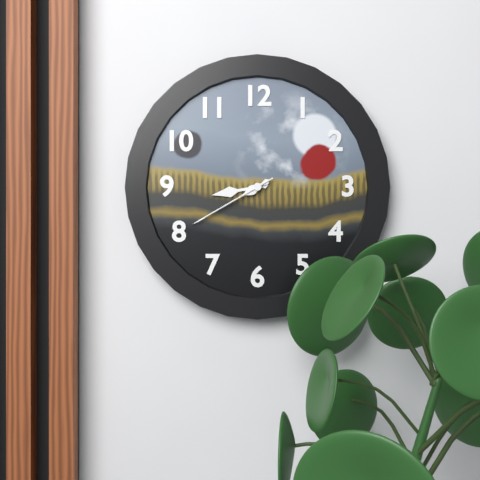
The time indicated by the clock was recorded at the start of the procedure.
8:40:40
